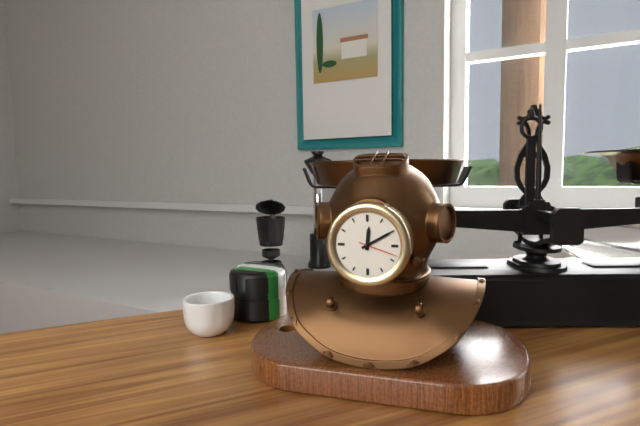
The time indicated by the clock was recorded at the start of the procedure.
12:10
